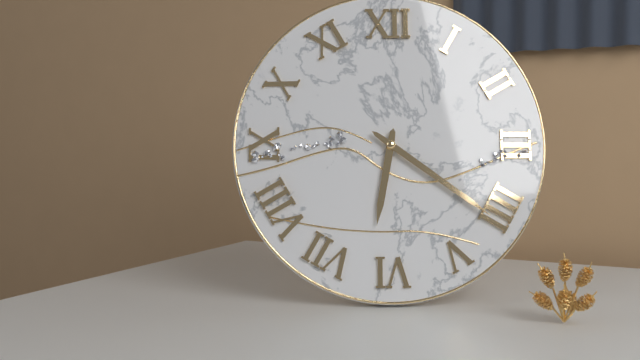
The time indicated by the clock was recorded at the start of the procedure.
6:21
